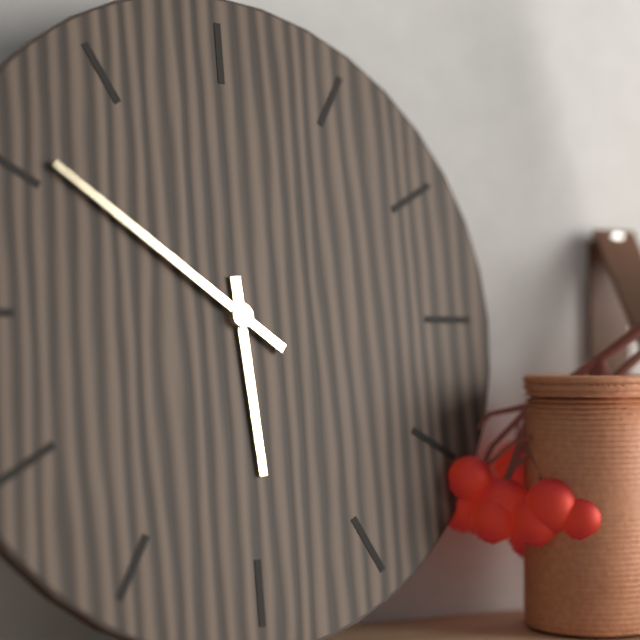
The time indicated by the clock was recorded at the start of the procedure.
5:51
